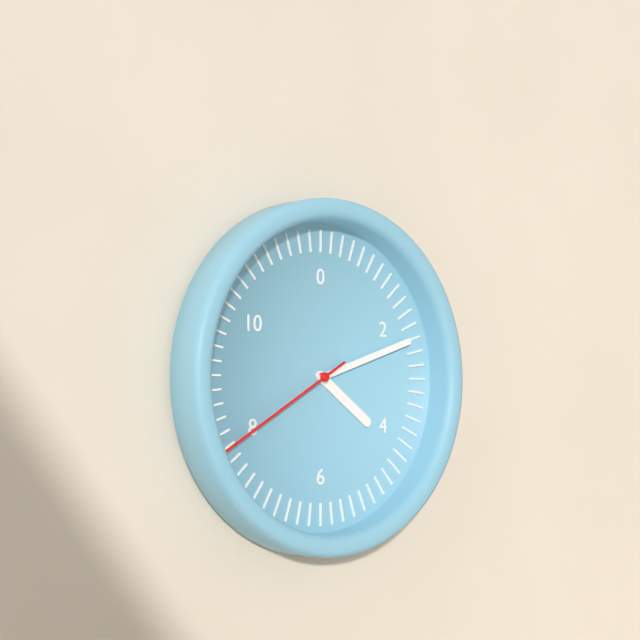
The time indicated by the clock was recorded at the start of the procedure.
4:12:40
